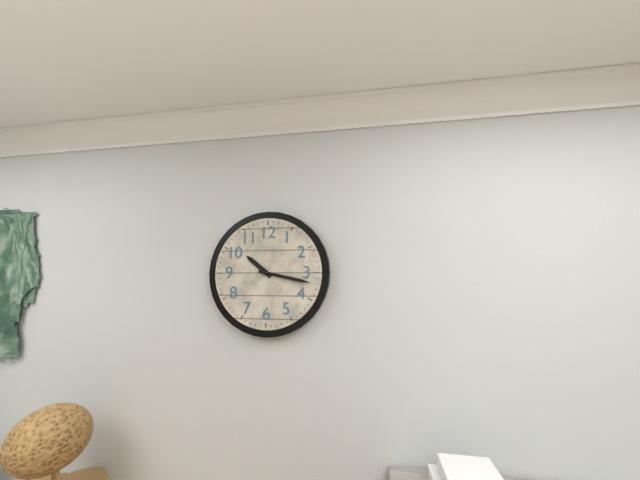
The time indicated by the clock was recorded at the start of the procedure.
10:17
